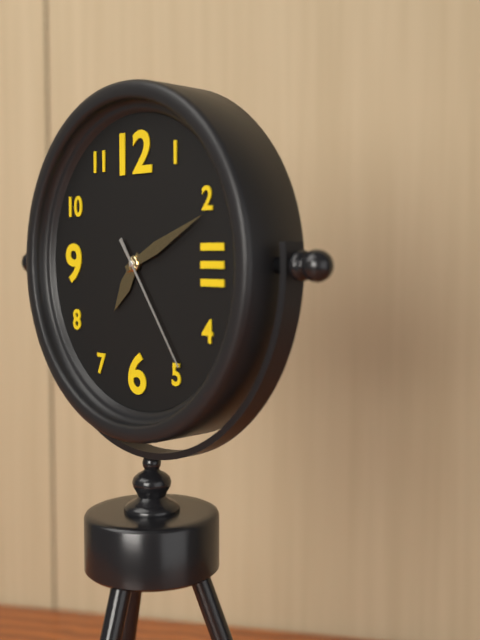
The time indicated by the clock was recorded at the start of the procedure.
7:11:24
